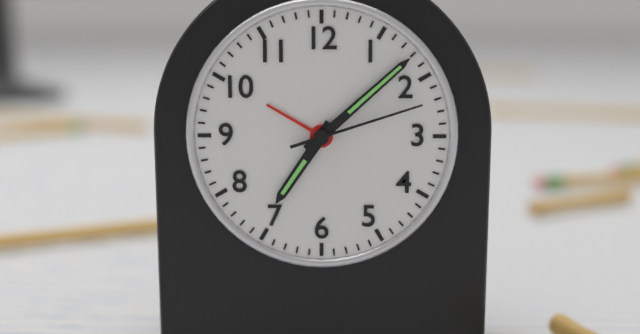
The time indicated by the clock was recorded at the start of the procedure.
7:08:12
